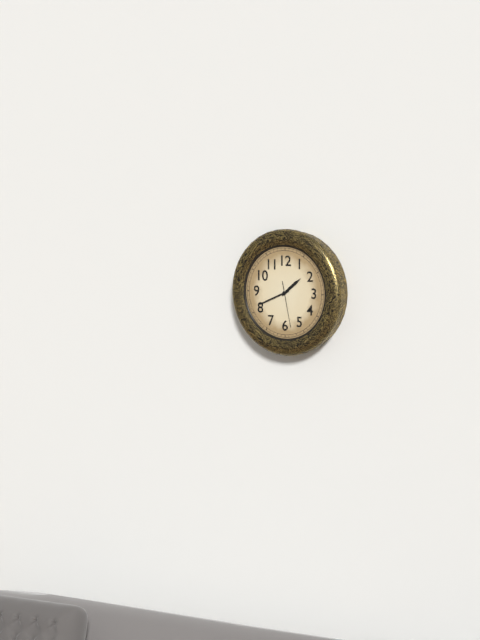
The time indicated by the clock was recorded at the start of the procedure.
1:41
